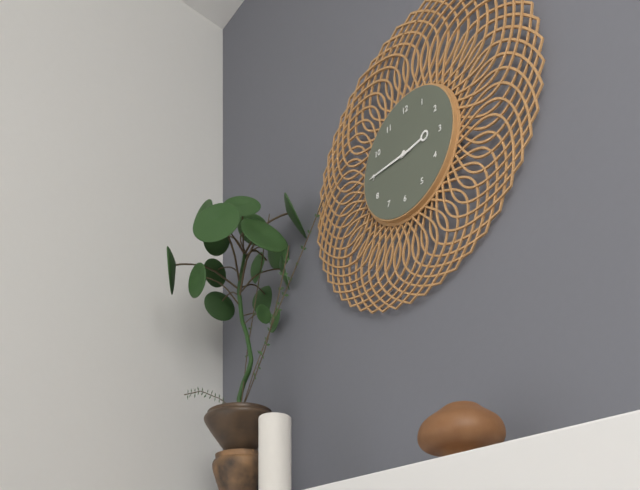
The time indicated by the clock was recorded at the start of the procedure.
2:45
